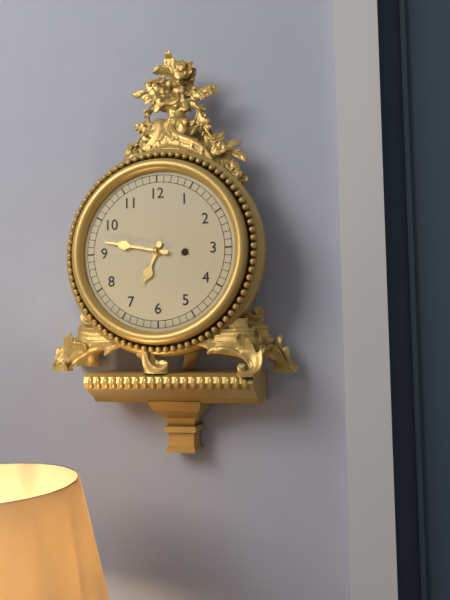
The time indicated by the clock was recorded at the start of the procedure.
6:47
